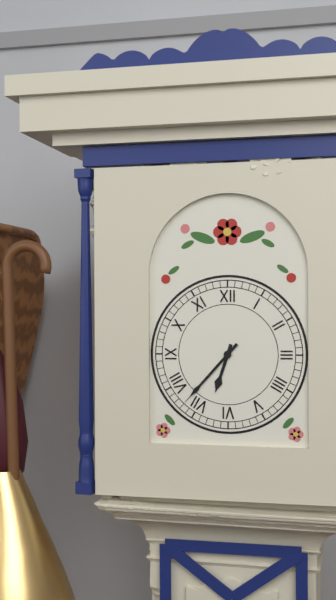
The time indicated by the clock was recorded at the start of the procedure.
6:37
